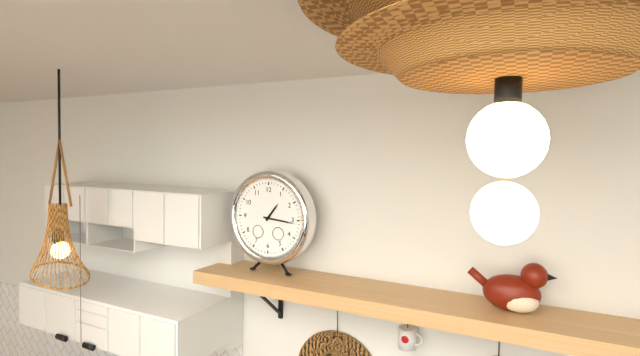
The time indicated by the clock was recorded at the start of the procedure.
1:16
